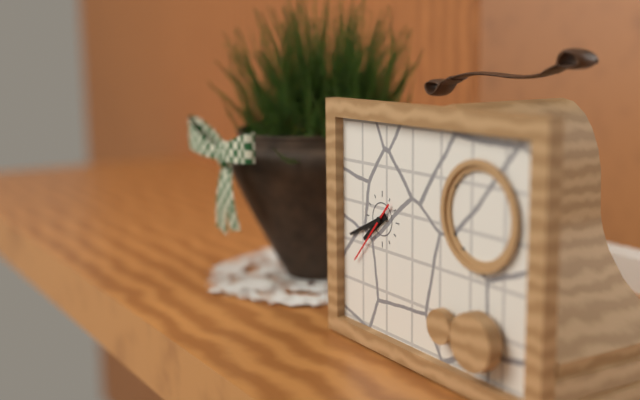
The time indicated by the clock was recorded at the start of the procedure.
7:41:37
